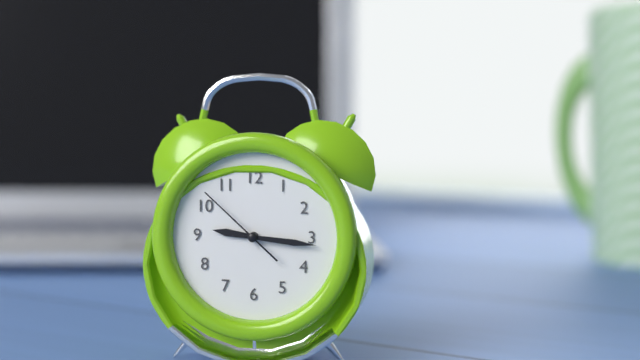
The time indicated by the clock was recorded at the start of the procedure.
9:16:52
